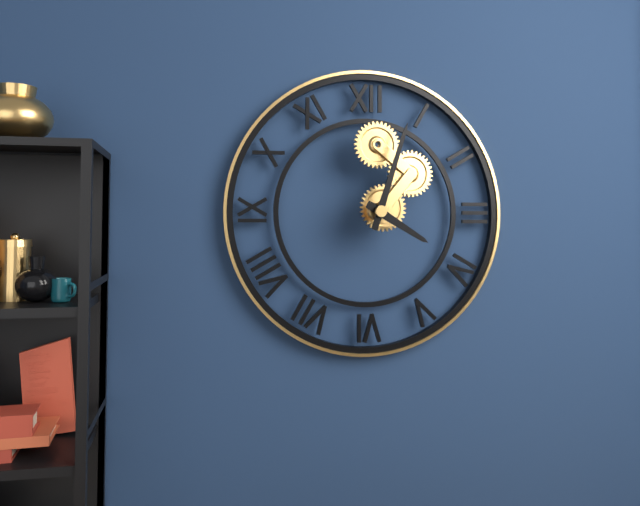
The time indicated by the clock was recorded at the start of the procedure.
4:03
